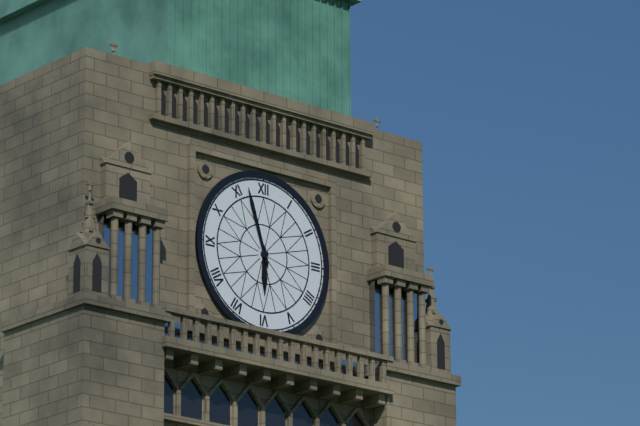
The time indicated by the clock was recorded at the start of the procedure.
5:57
